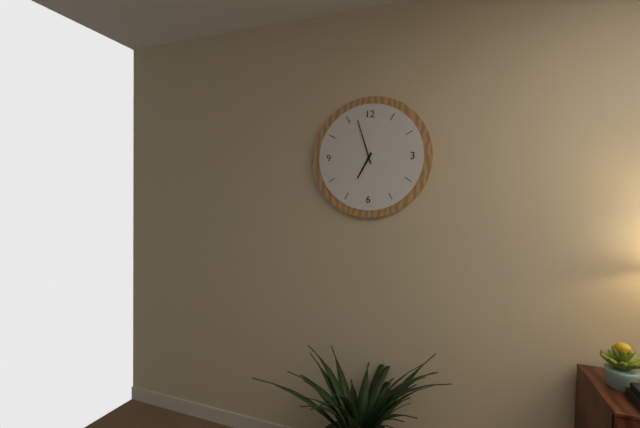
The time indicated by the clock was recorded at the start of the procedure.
6:57
